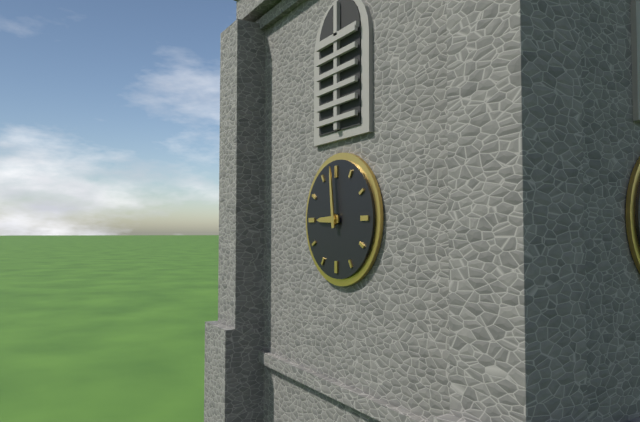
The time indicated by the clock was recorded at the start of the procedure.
8:59
